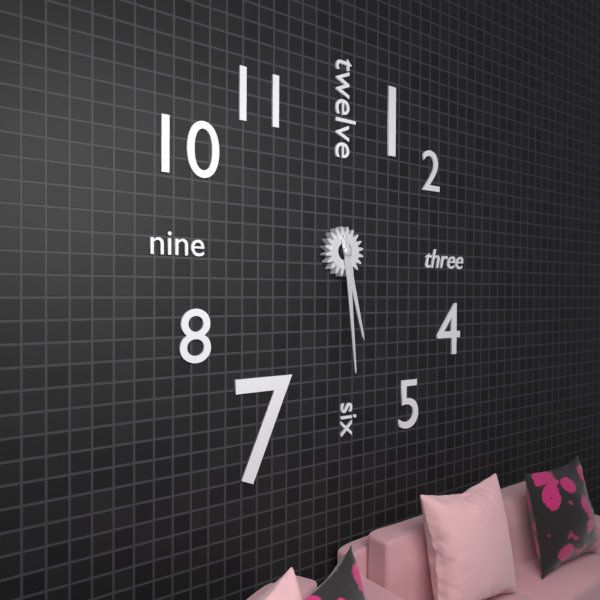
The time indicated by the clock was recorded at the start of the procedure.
5:29
